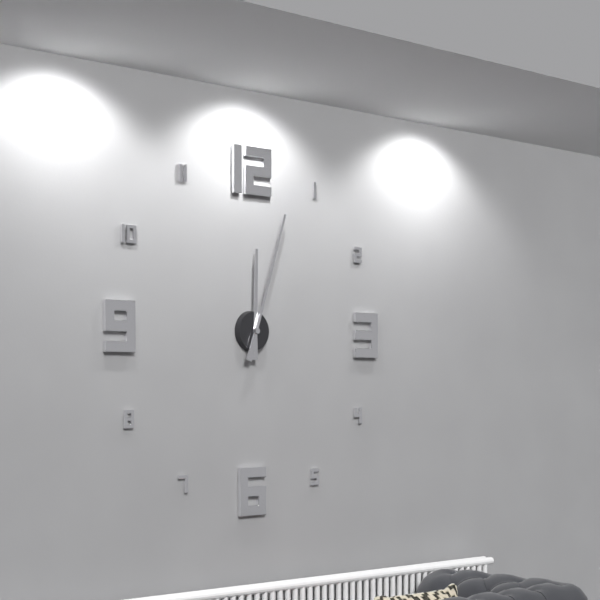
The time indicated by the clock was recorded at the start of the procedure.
12:03
